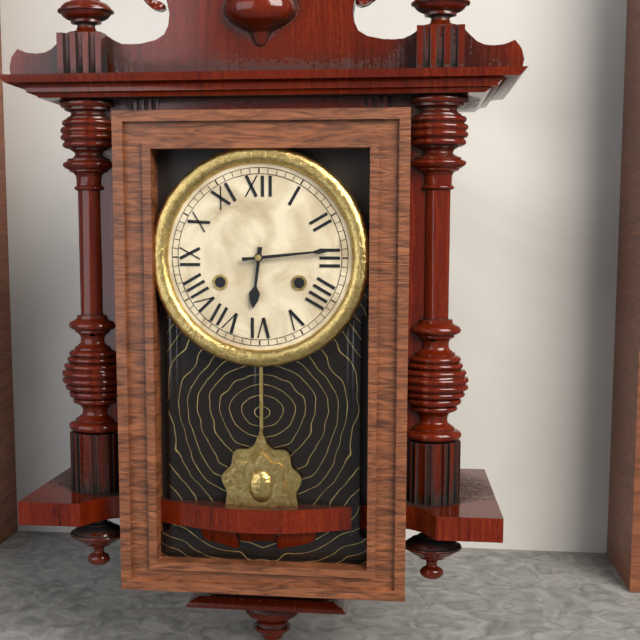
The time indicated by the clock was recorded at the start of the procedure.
6:14
